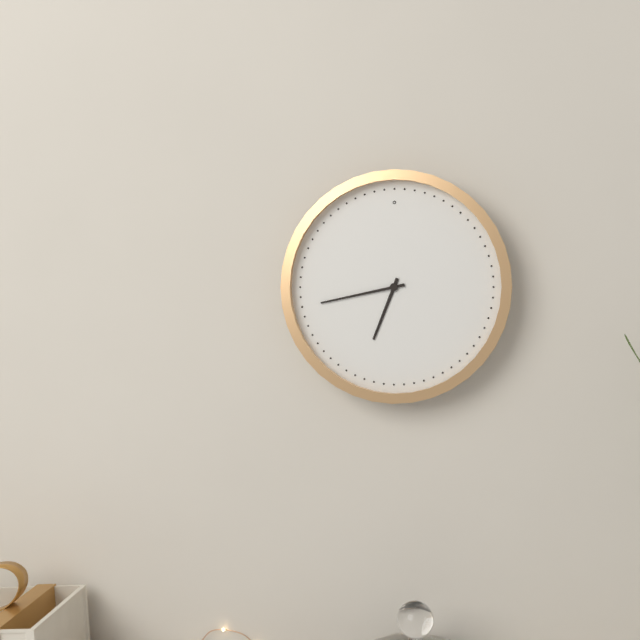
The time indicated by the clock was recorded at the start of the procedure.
6:43
